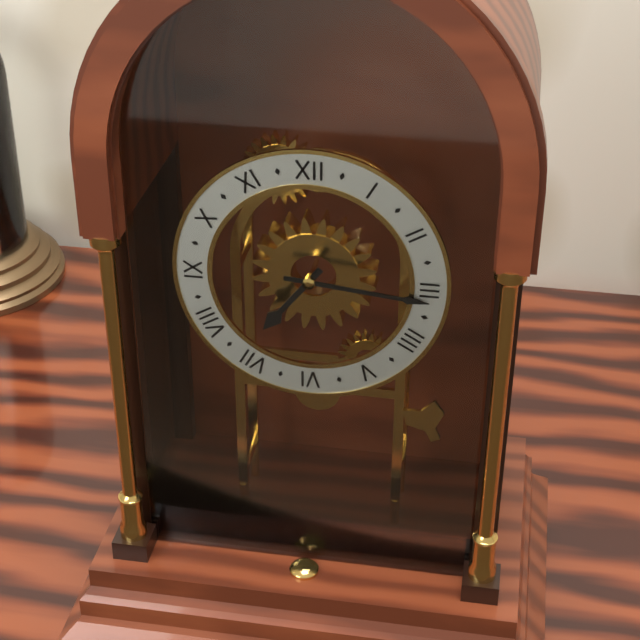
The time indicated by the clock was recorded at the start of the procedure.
7:16
